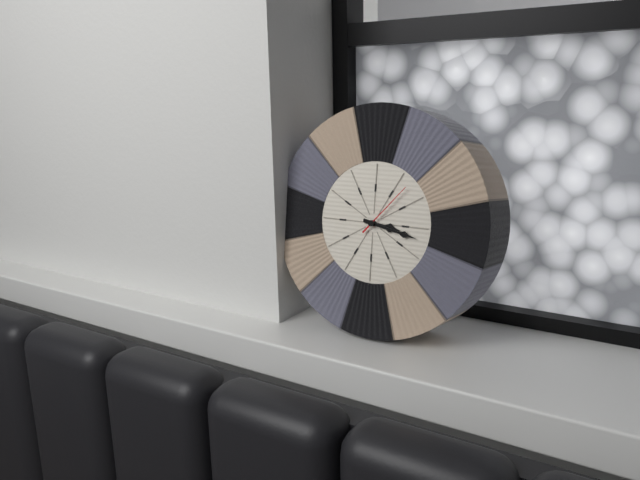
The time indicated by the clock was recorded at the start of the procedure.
3:17
